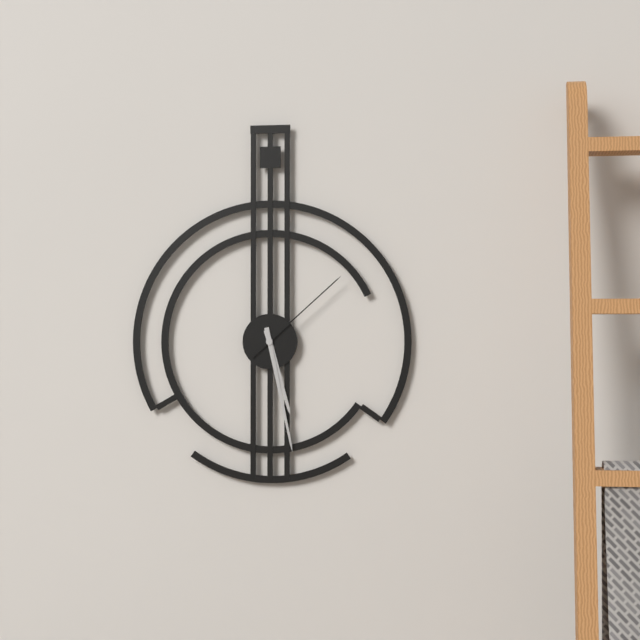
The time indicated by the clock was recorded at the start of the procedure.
5:28:08
